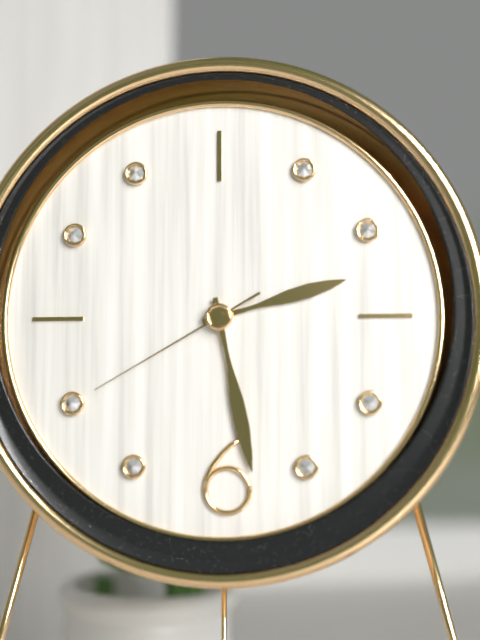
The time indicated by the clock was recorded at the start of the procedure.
2:28:40
